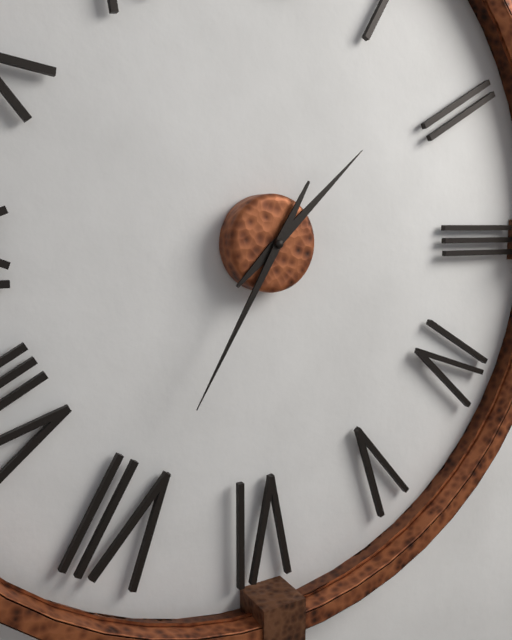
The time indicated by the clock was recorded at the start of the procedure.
1:35
